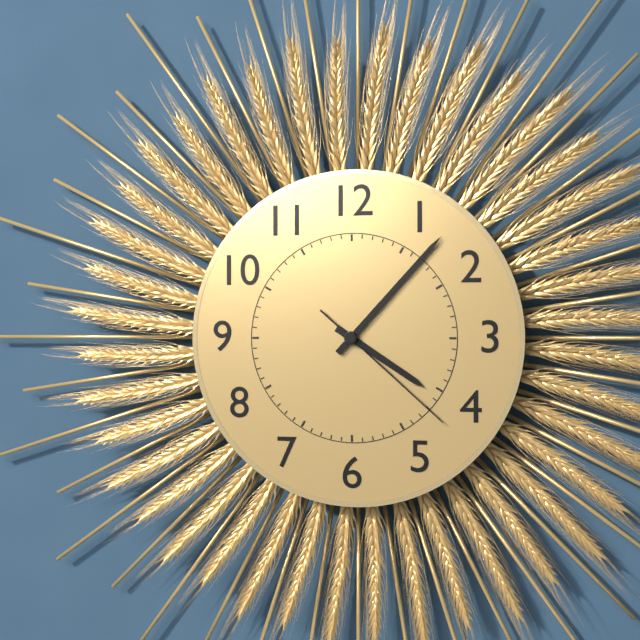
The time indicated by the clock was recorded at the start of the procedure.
4:07:22
